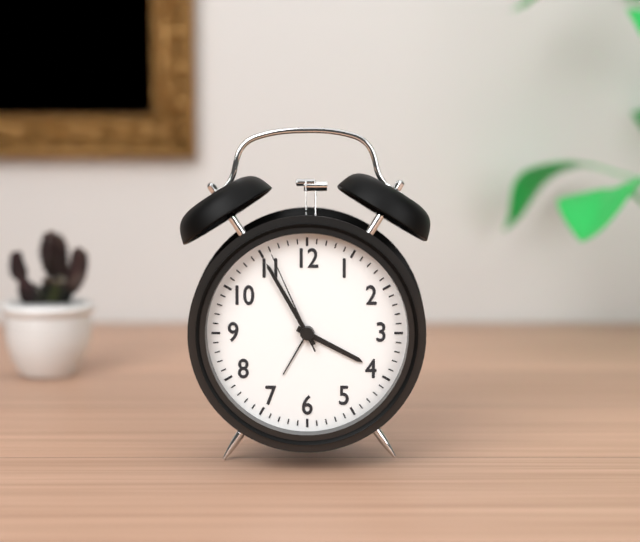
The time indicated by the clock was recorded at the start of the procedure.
3:55:56
